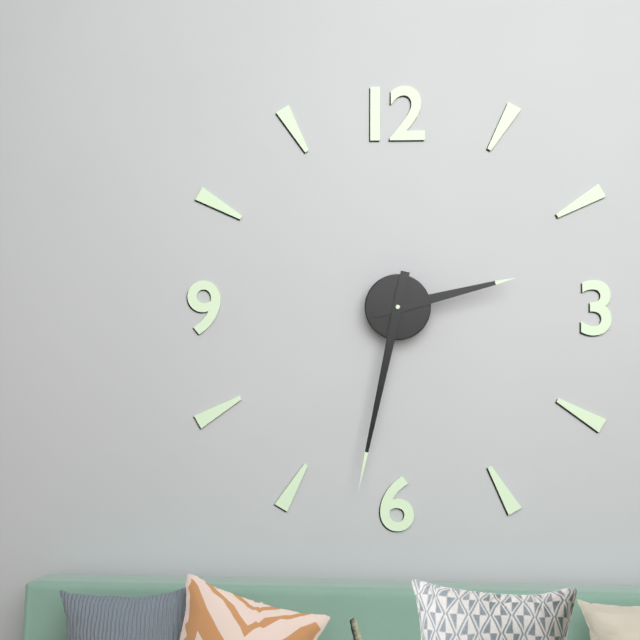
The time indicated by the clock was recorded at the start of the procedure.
2:32
